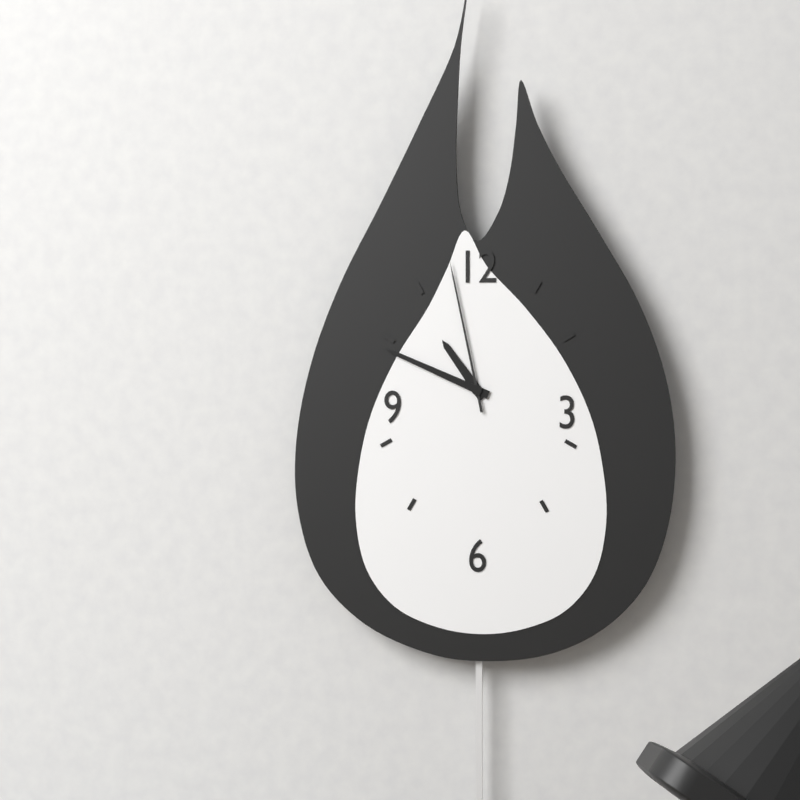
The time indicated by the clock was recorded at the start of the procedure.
10:49:58
